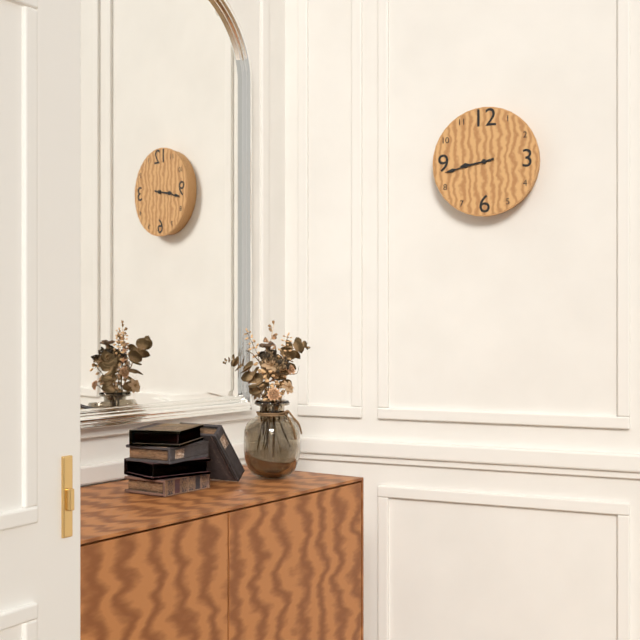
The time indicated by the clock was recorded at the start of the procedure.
8:43
